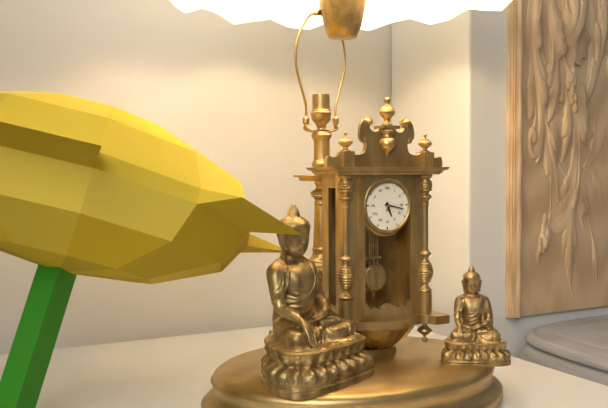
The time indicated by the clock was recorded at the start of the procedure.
5:17
